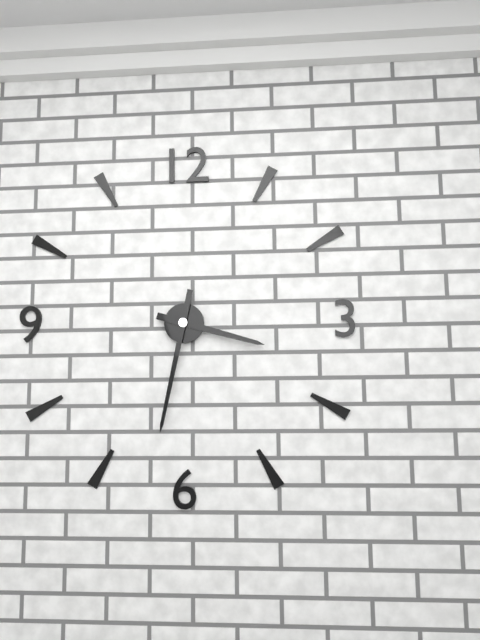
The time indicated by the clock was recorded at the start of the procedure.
3:32
